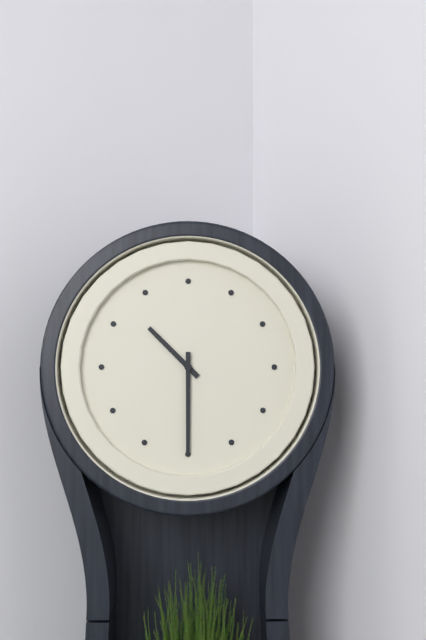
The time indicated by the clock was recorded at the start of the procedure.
10:30
